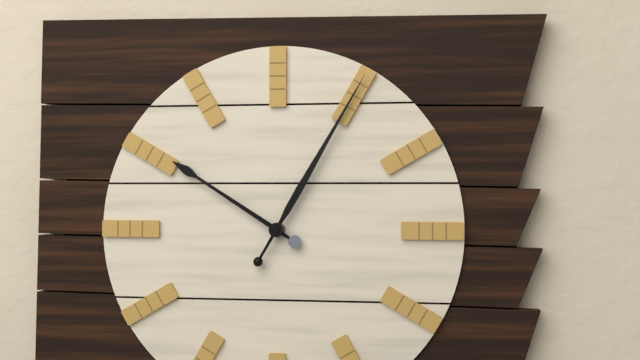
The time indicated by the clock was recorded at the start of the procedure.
10:05
